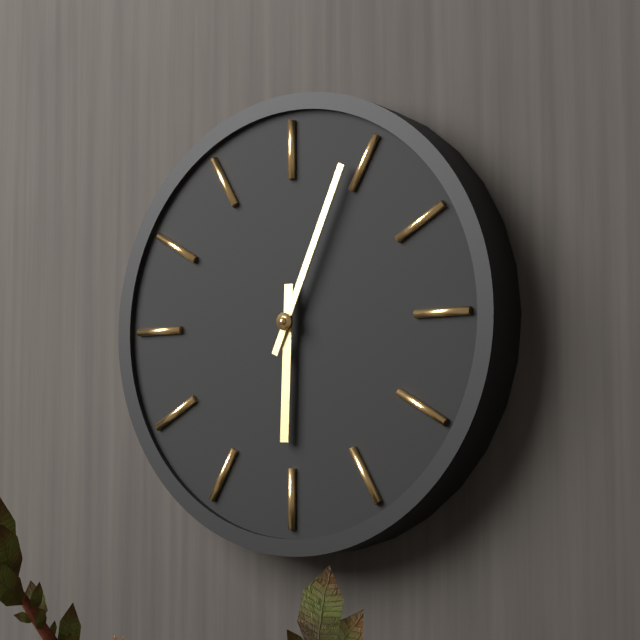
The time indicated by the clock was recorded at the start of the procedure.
6:04
